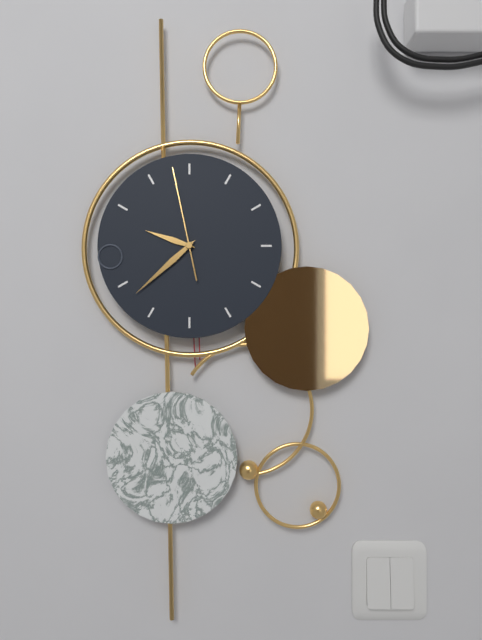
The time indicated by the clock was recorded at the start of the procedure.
9:38:58
